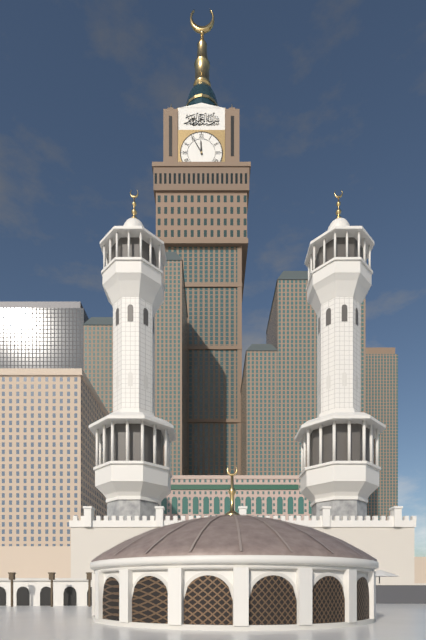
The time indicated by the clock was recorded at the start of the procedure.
11:55
